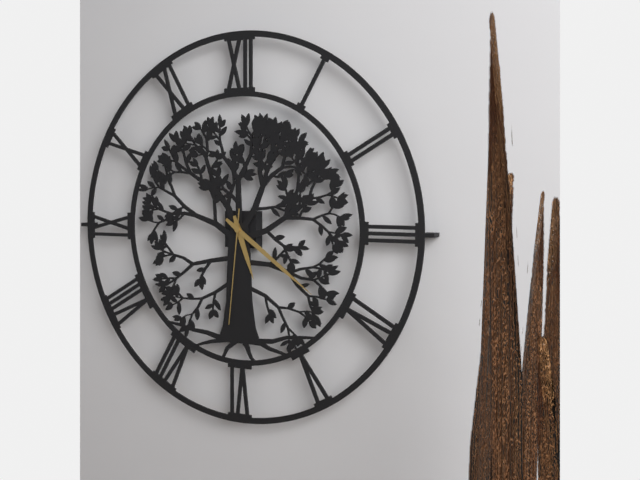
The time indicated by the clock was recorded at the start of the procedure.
5:21:31
